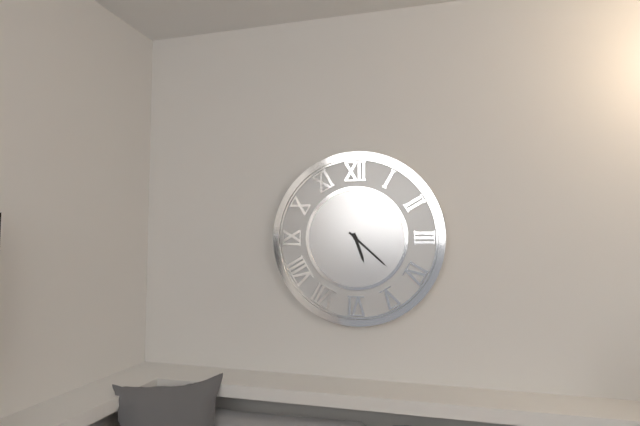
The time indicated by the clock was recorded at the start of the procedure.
5:22
